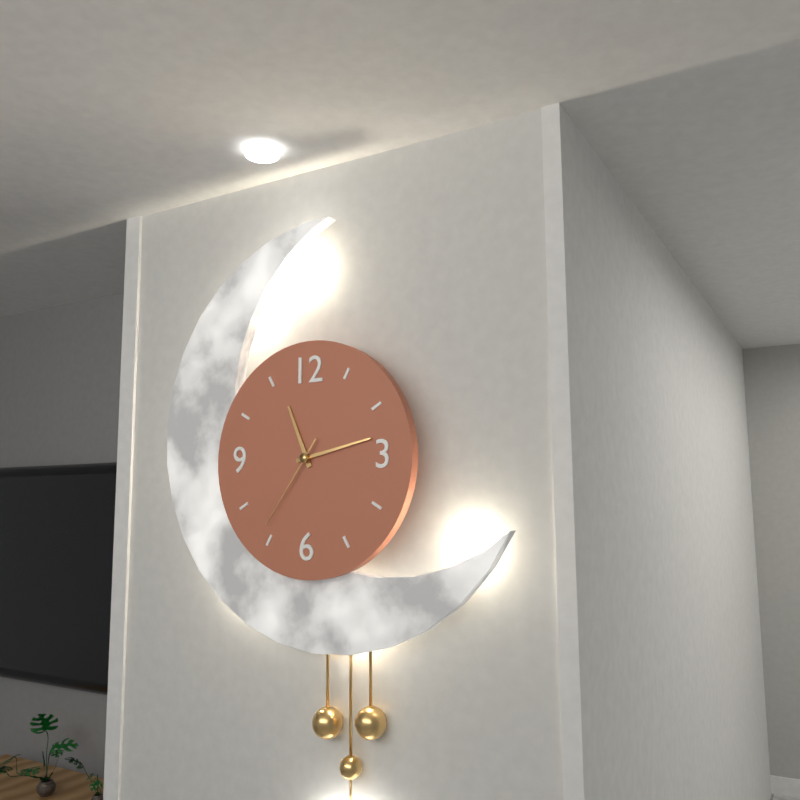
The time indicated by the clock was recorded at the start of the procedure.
11:13:36
